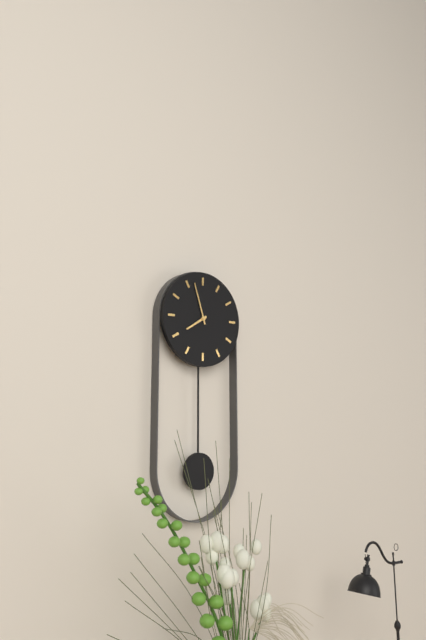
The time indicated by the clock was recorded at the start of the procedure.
7:57
